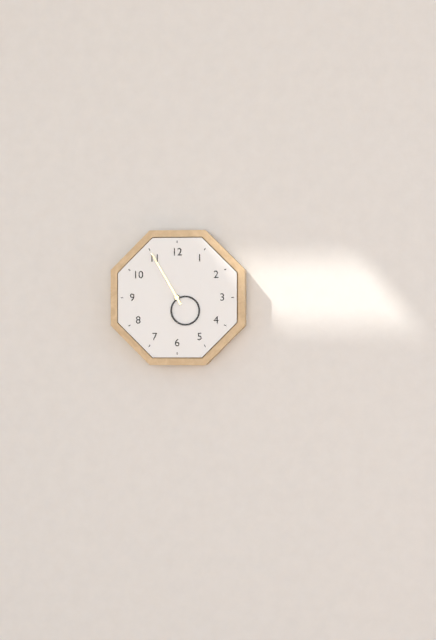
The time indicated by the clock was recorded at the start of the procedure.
4:55
